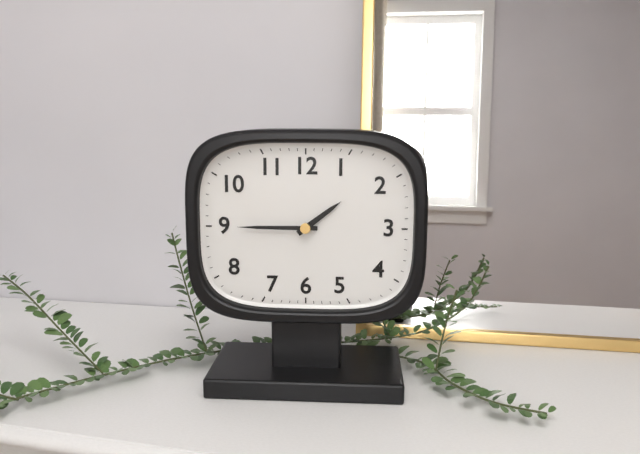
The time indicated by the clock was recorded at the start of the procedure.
1:45
